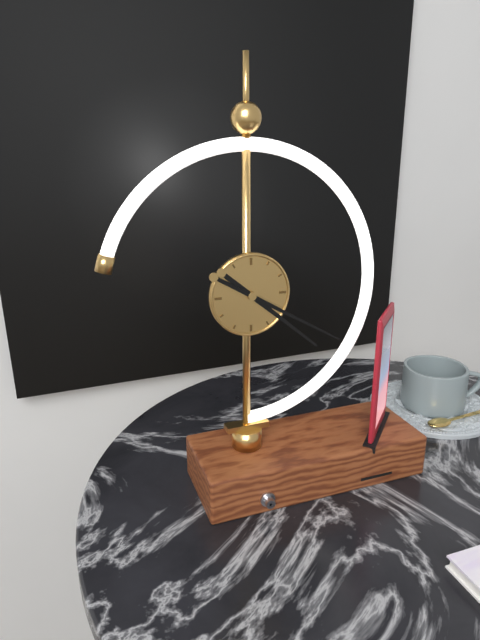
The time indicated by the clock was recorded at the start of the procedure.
4:20
